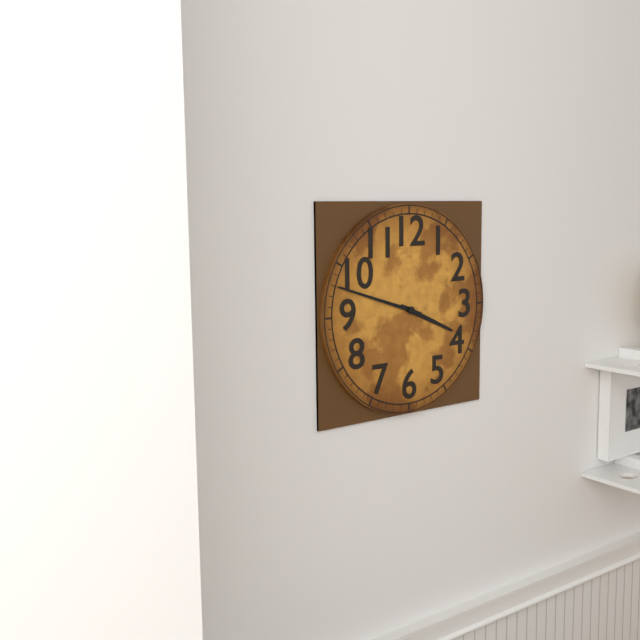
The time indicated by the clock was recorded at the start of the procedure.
3:48
